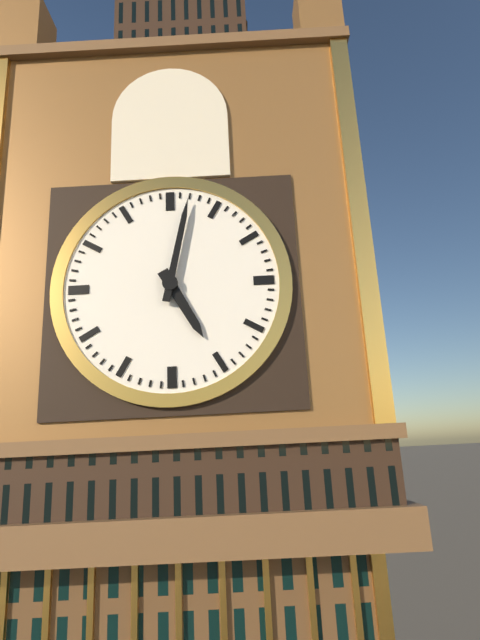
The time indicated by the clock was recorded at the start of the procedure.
5:02
